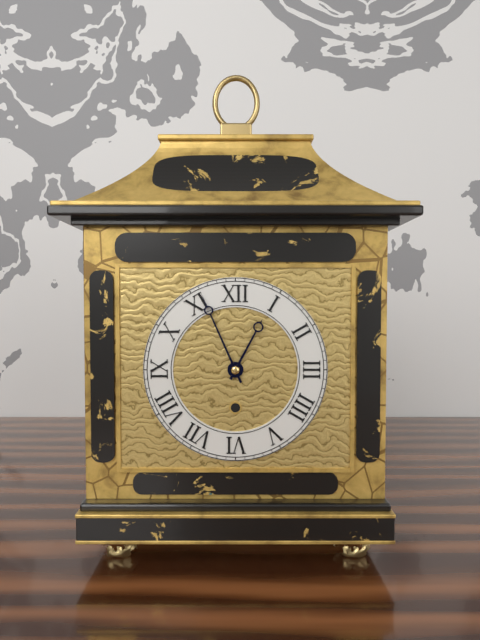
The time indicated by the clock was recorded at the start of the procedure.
12:56
